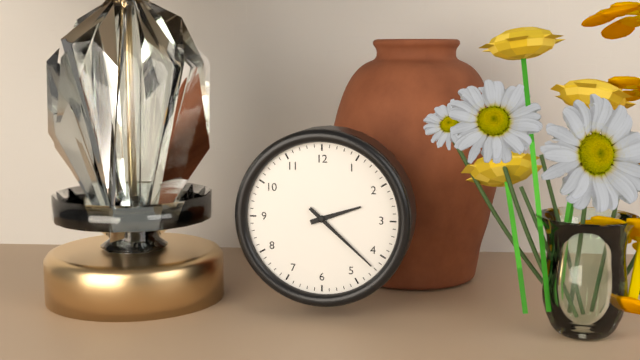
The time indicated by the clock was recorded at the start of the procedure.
2:22
